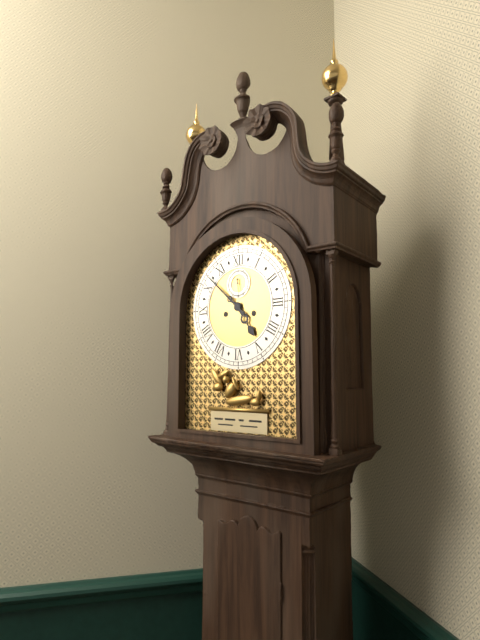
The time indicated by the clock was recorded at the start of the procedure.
4:52
